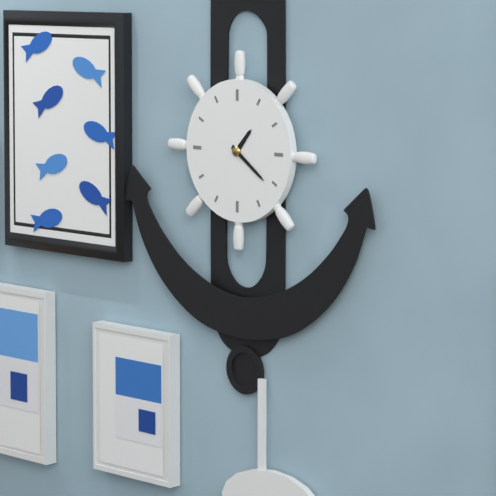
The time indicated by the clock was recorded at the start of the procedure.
1:21
